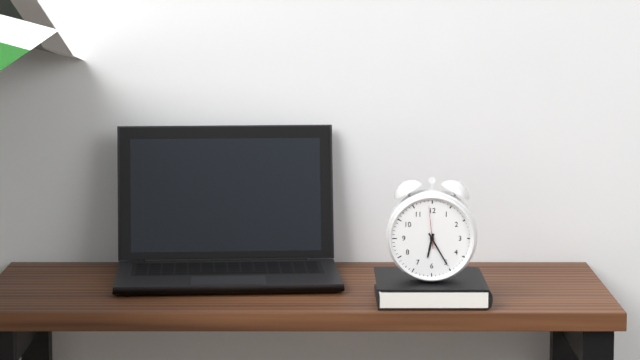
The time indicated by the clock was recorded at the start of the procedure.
6:25
